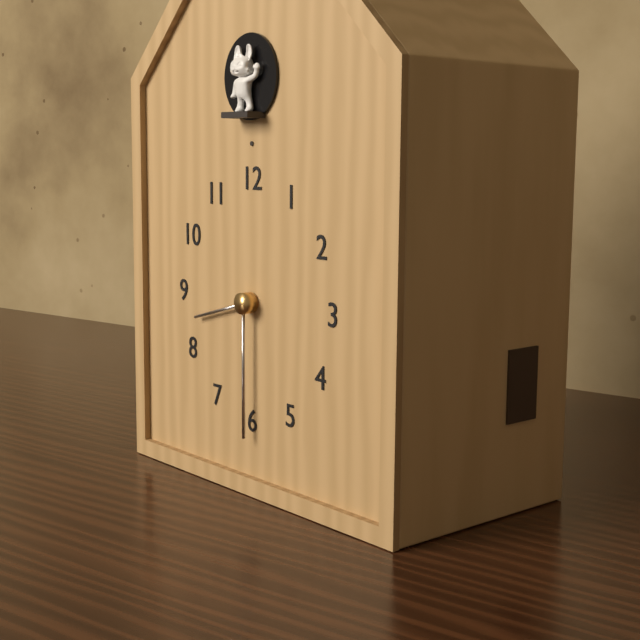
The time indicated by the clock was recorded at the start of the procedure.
8:30
